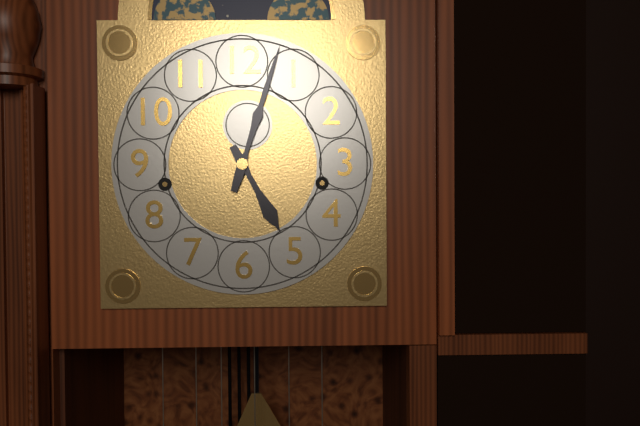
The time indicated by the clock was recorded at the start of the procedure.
5:03
